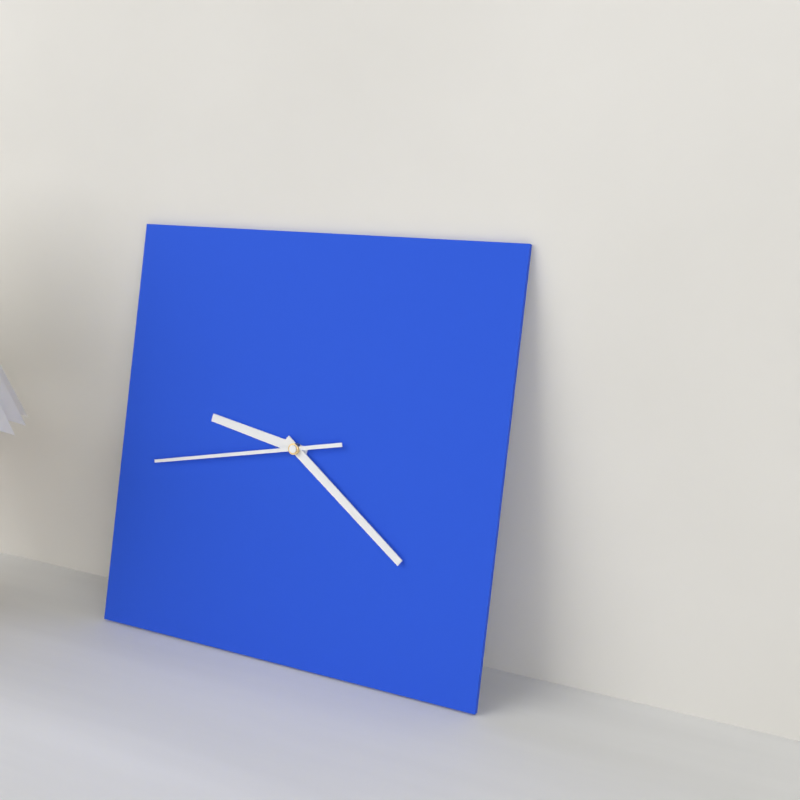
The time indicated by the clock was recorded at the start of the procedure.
9:21:43
